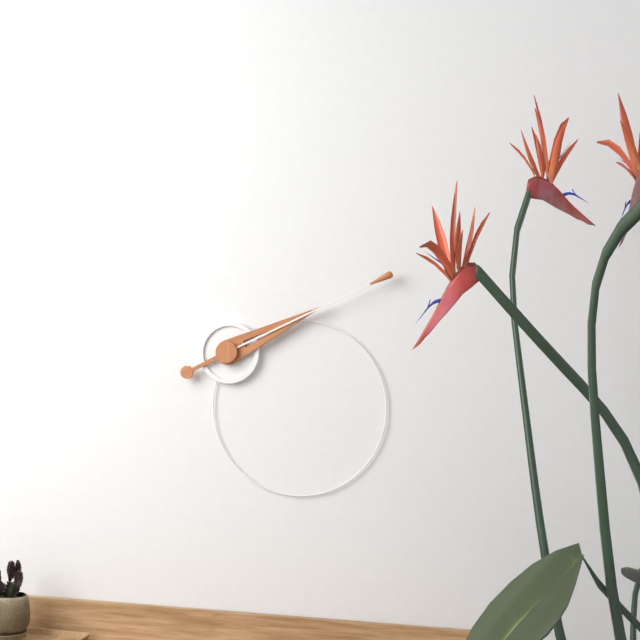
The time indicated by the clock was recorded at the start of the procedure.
2:11
